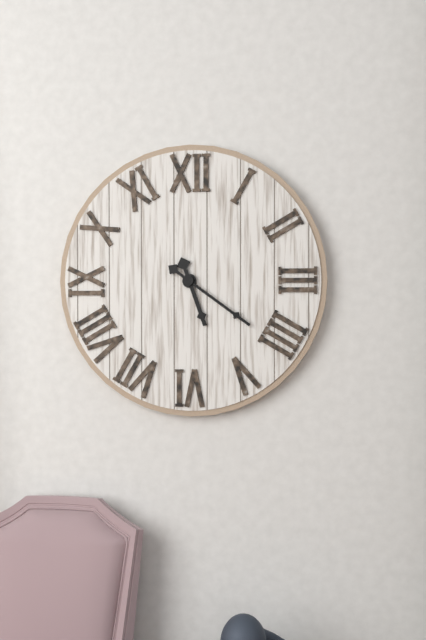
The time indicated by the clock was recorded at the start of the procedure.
5:21
